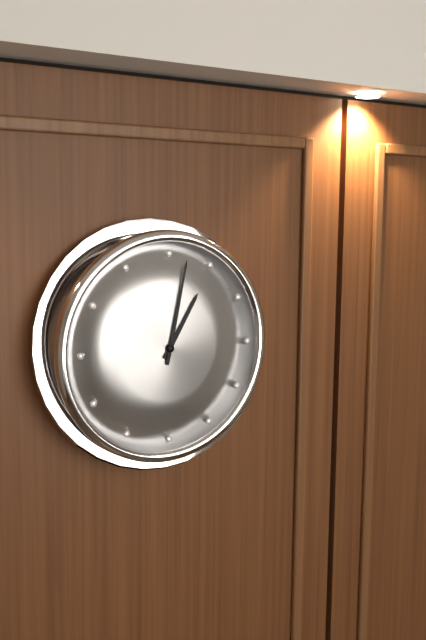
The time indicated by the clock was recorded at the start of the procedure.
1:02
